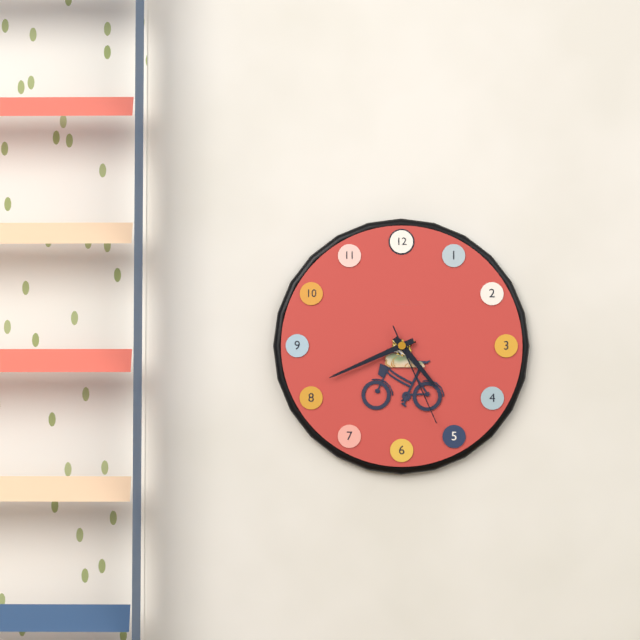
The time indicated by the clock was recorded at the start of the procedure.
4:41:26
